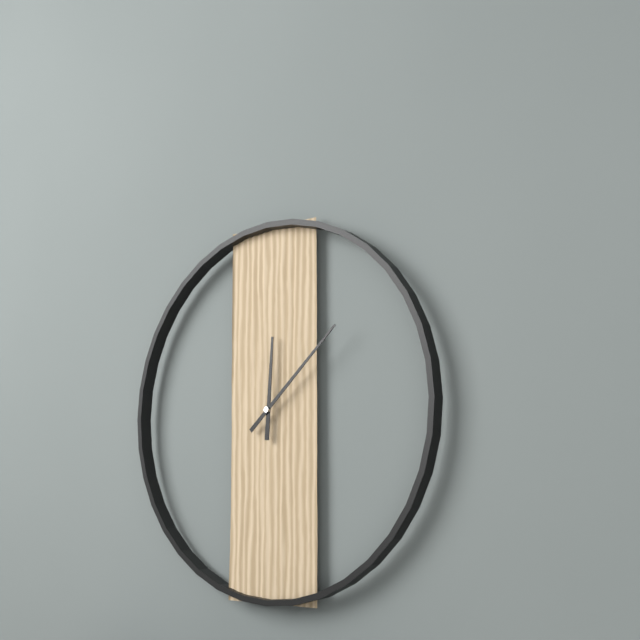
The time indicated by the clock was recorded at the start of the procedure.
12:08
